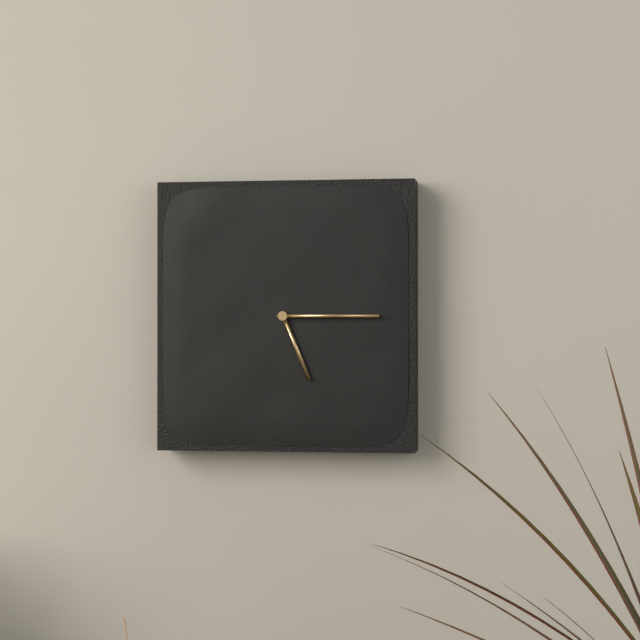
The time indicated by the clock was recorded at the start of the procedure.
5:15
